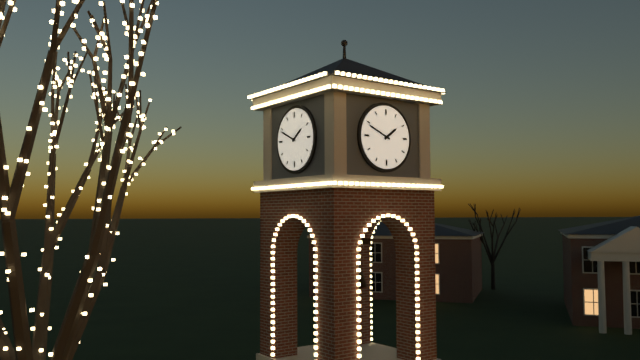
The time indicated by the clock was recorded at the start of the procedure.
1:49
